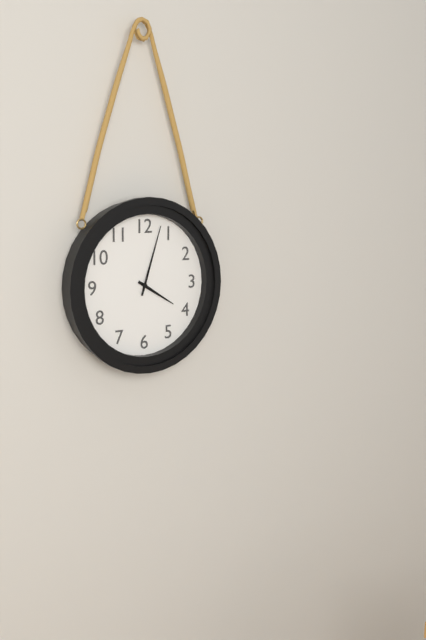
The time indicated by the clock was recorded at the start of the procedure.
4:03
